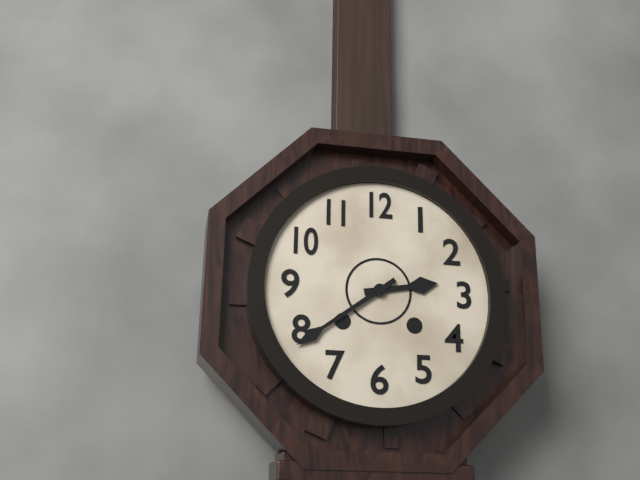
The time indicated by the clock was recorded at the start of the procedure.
2:39
